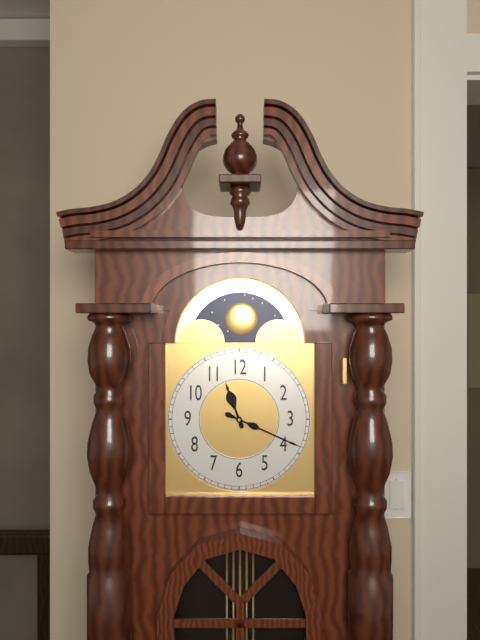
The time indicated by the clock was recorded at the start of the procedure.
11:19
